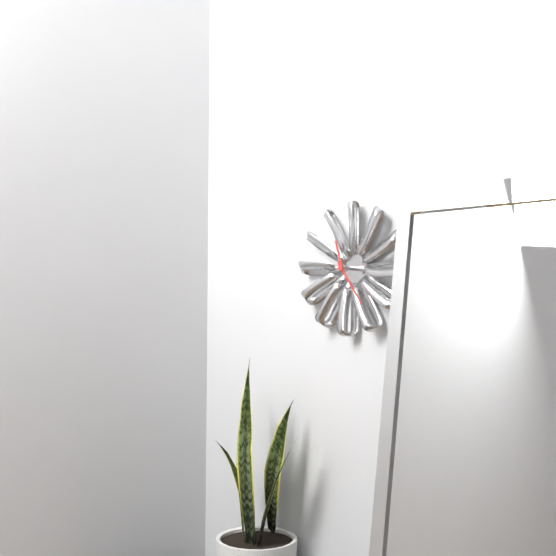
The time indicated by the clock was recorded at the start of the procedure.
11:24
